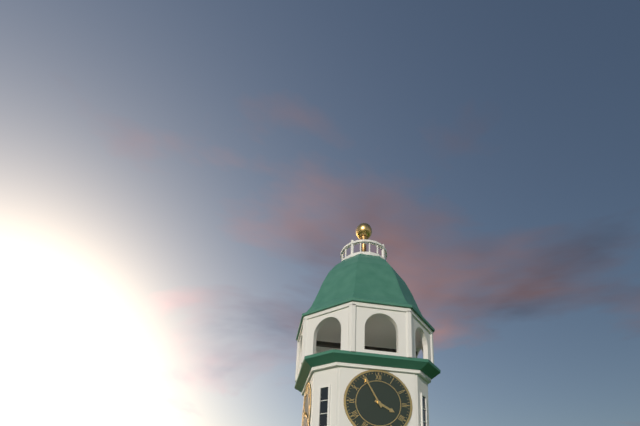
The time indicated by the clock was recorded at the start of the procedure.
3:55
